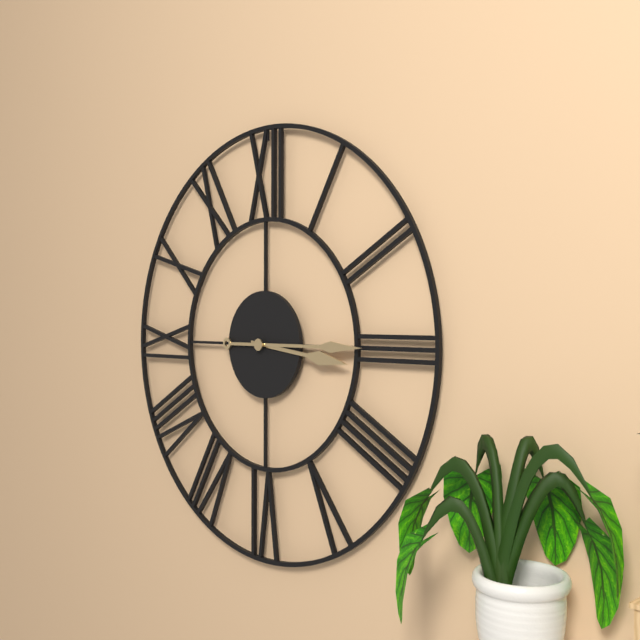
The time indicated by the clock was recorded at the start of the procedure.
3:15
